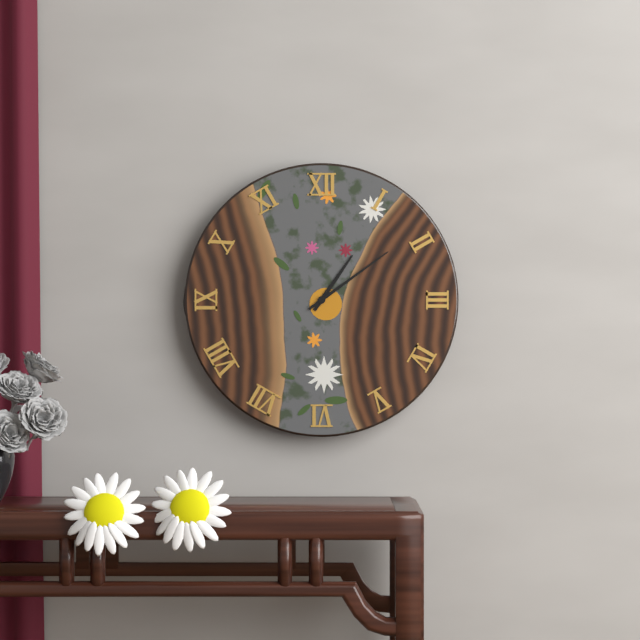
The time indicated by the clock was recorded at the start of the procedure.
1:09
